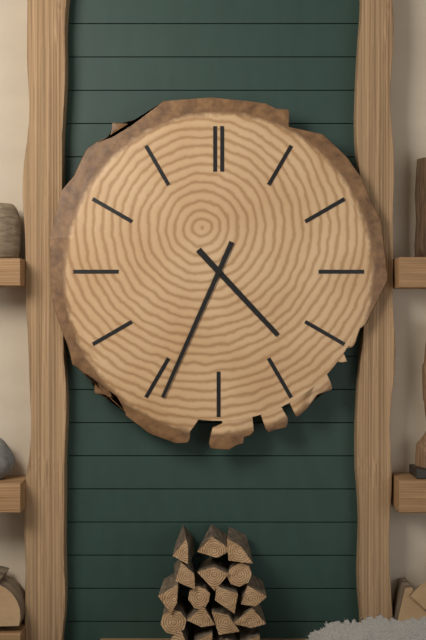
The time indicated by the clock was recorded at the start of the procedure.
4:34
